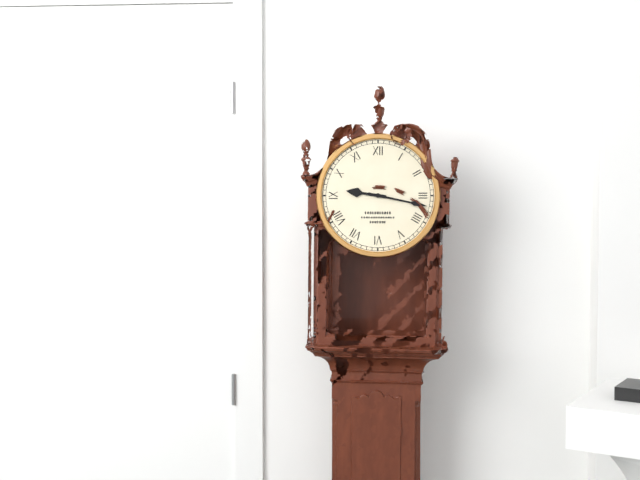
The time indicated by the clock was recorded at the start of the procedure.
9:17
